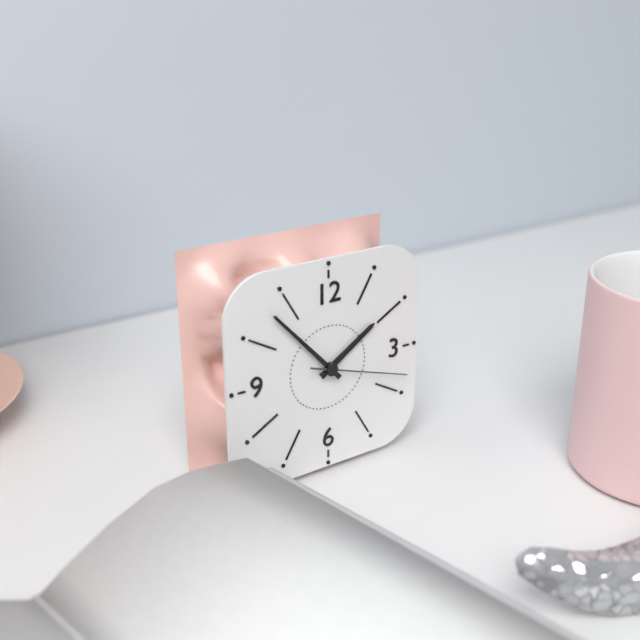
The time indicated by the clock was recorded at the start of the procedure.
1:53:18
